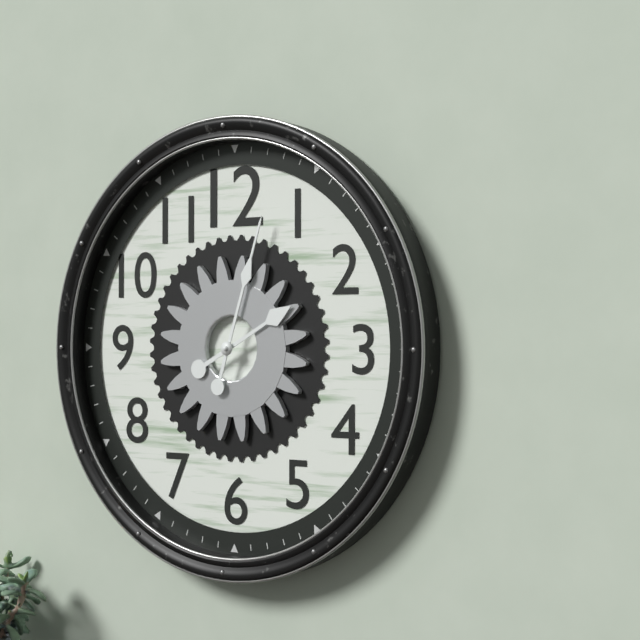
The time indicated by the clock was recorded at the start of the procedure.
2:03
